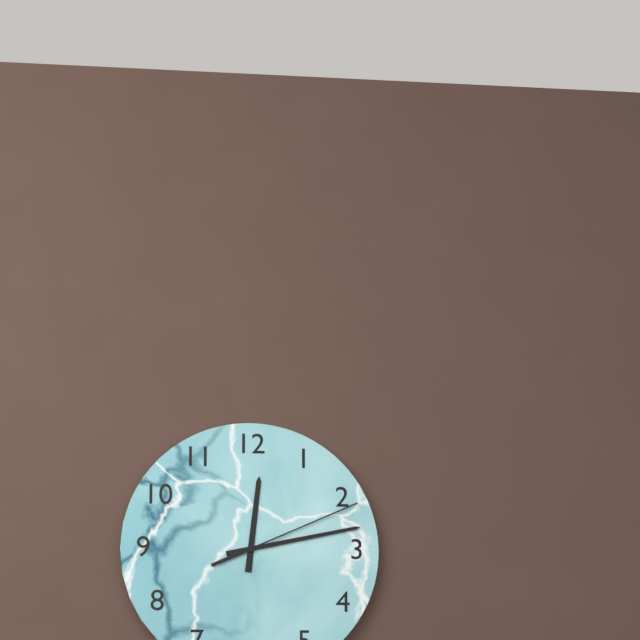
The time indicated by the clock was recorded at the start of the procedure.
12:13:11
